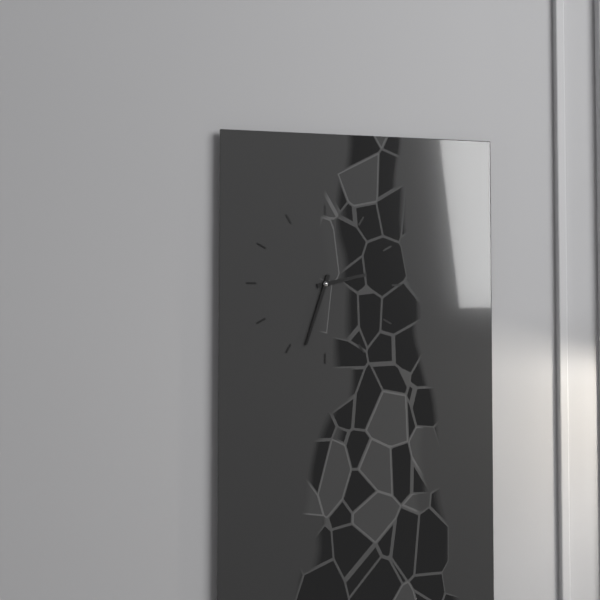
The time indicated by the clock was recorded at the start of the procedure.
2:33
